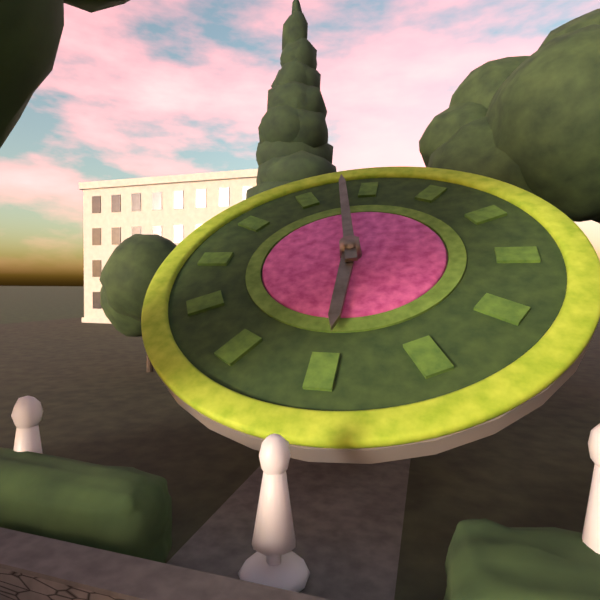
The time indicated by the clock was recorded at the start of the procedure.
5:58
